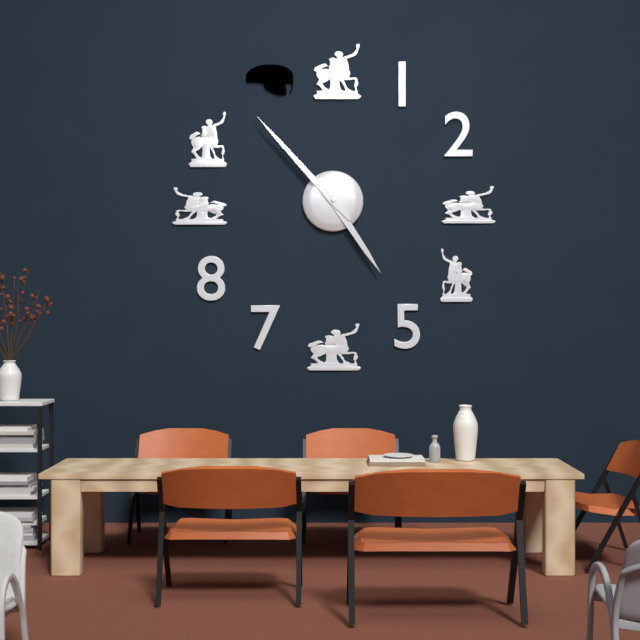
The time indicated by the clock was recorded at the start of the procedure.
4:53
